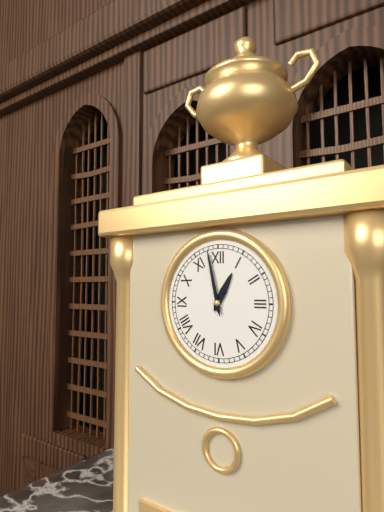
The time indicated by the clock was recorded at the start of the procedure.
12:58
